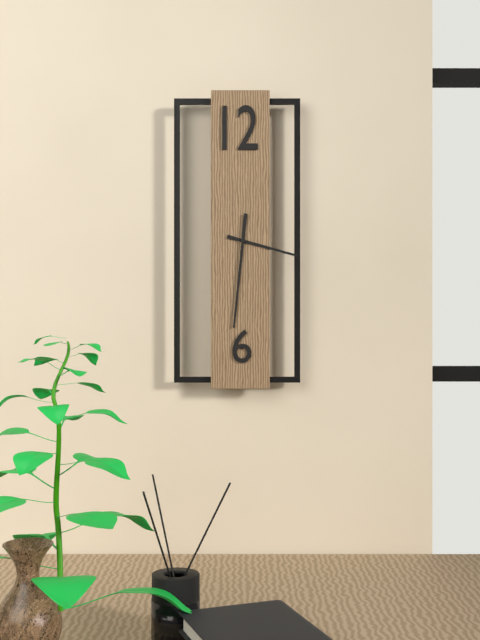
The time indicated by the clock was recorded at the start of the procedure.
3:31
